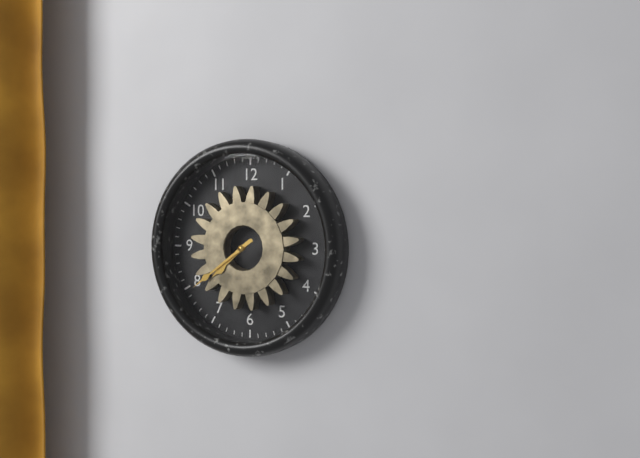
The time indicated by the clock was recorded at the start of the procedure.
7:39
